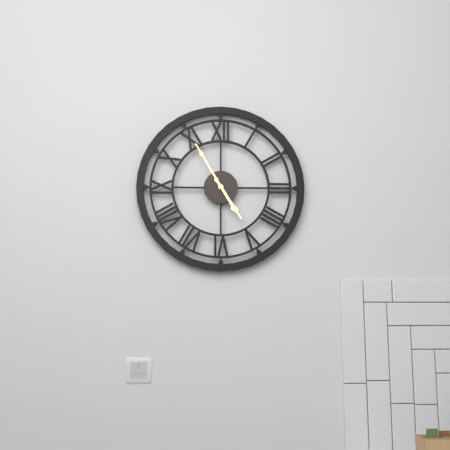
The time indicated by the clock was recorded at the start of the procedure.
4:55
